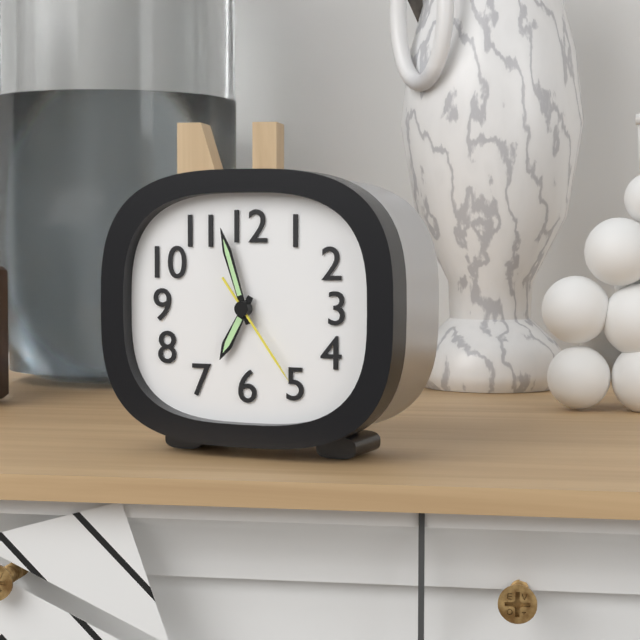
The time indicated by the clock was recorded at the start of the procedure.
6:57:24
